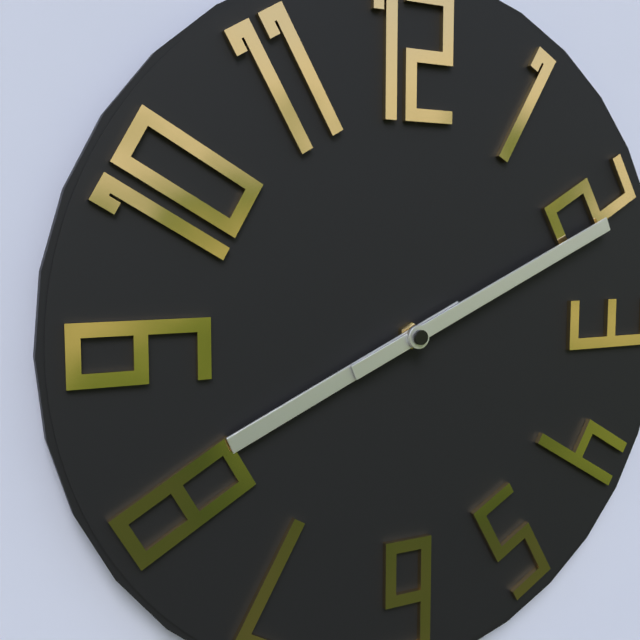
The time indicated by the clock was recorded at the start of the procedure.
8:11
